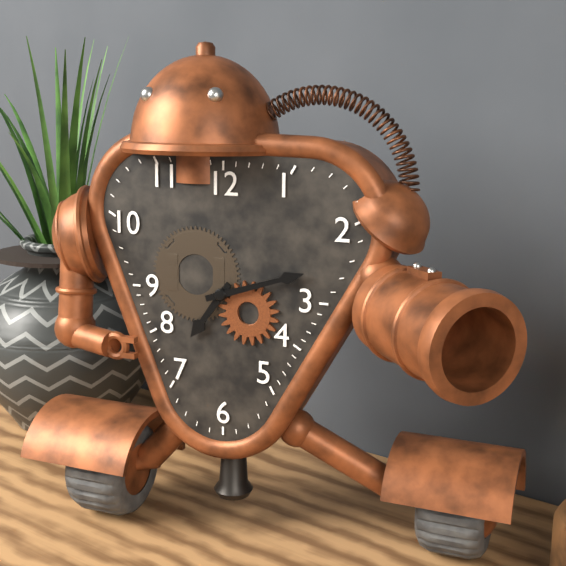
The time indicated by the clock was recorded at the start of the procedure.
7:12
